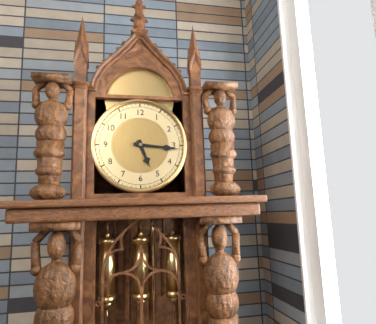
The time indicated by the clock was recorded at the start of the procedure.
5:16
